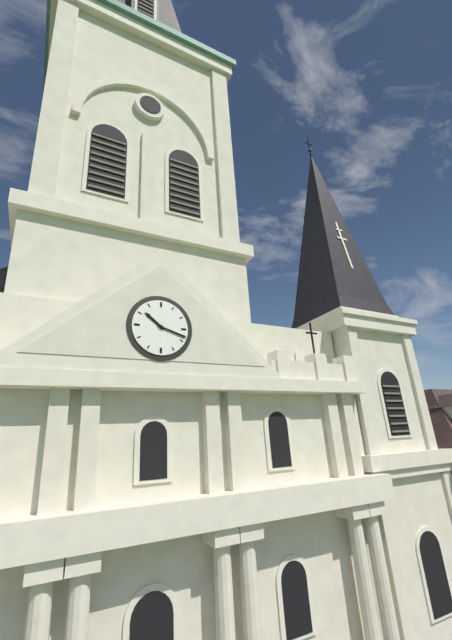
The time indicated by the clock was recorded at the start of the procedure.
10:18
